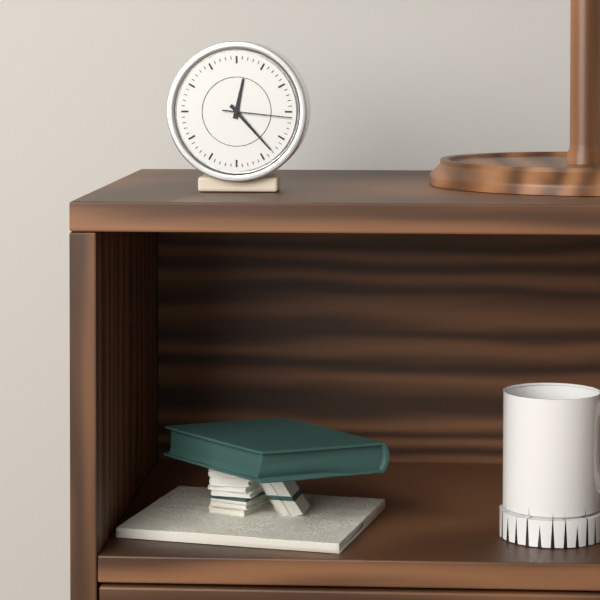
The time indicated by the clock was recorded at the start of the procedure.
12:23:16
